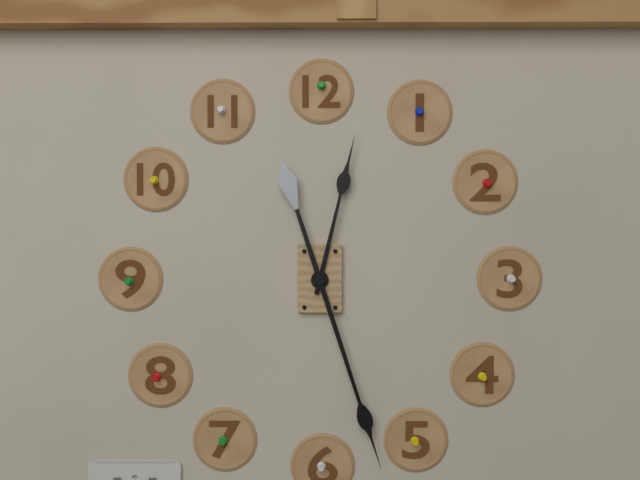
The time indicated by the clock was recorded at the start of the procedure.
12:27
